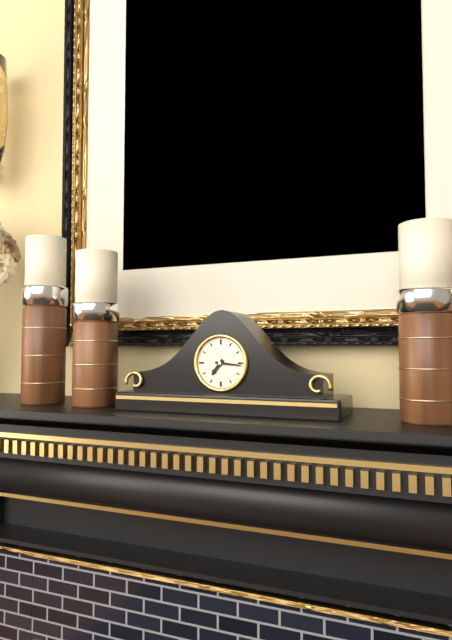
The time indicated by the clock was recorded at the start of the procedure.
7:16
